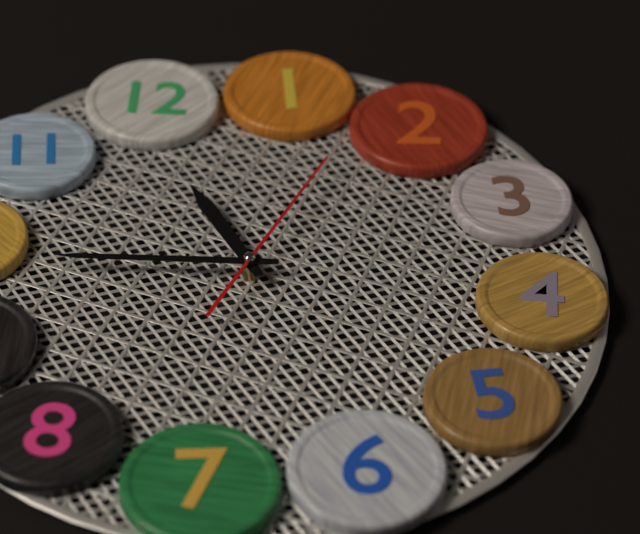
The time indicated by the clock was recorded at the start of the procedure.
11:49:08
